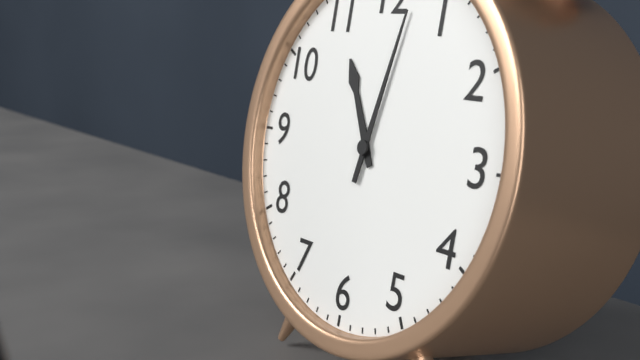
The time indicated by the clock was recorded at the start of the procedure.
11:02
